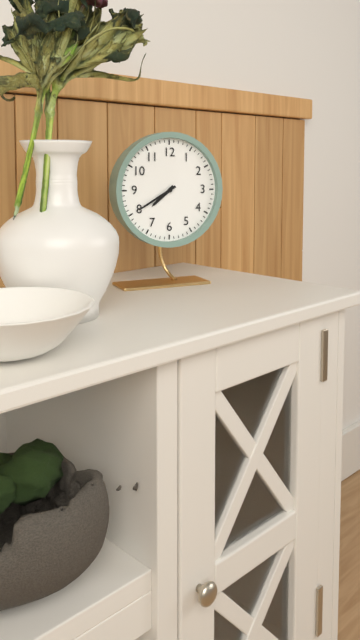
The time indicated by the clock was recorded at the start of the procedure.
7:40
